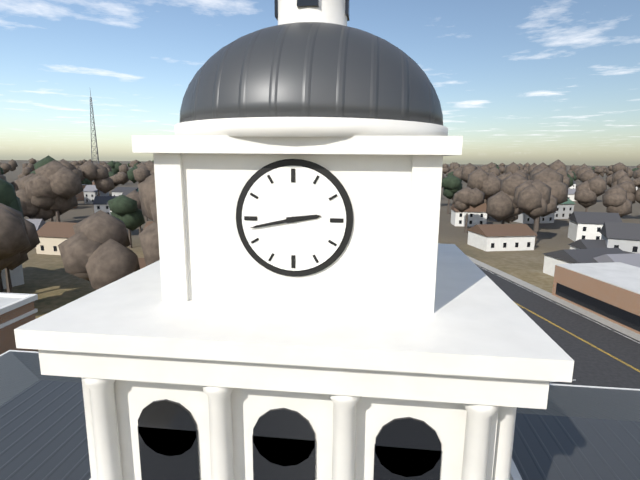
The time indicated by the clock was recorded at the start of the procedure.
2:43
